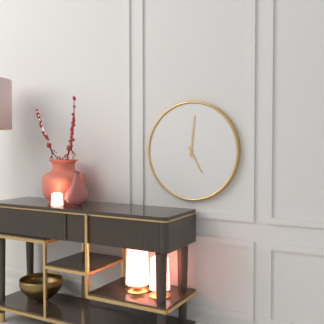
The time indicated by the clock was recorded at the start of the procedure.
5:01
